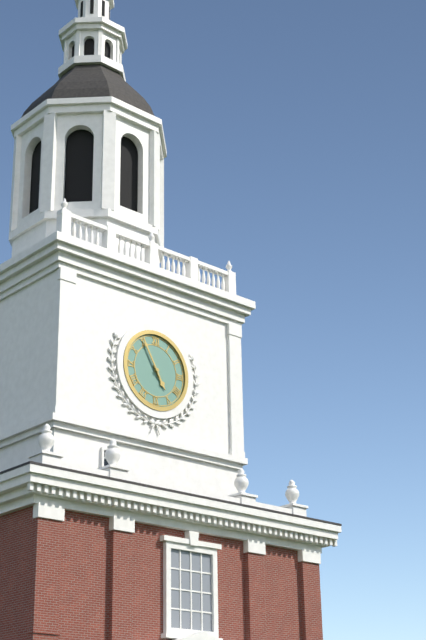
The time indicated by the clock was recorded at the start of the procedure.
4:55
